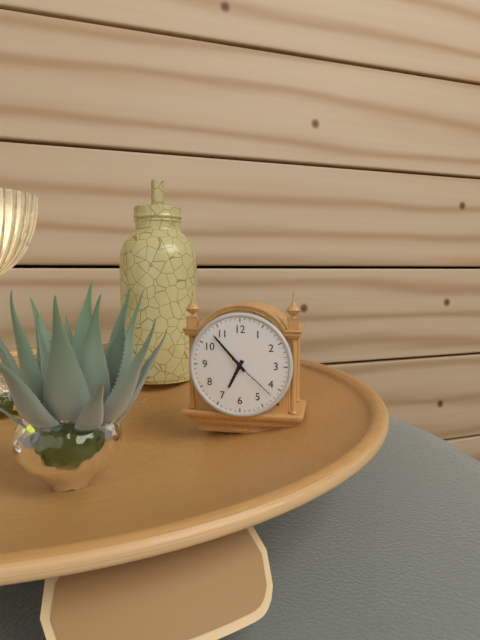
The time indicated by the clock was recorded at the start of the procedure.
6:53:22
